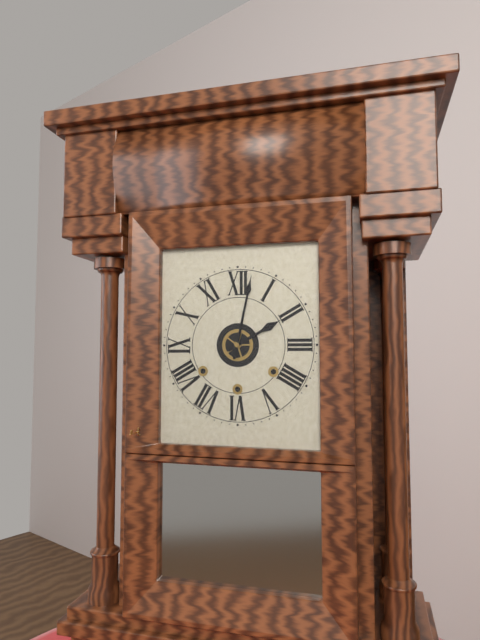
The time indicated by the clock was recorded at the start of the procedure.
2:02
